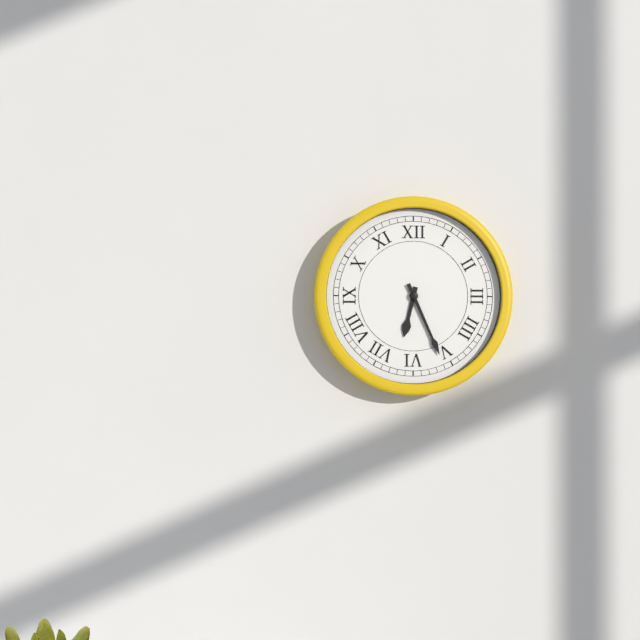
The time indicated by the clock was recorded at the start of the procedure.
6:26
